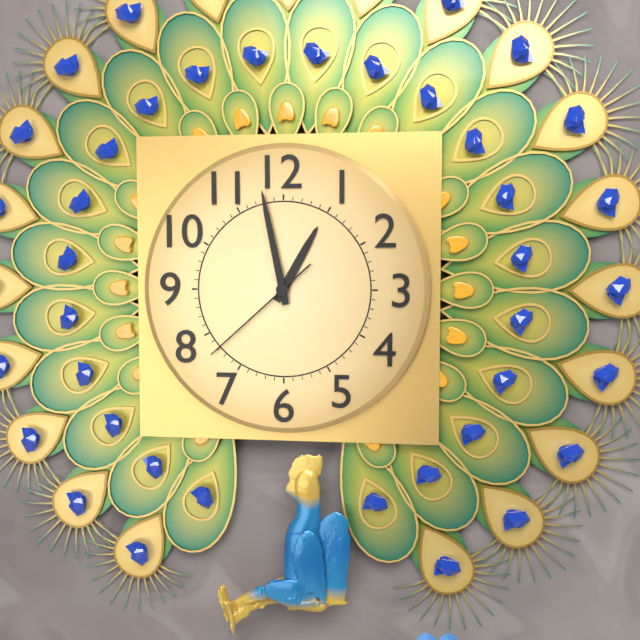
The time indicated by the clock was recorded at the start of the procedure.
12:58:38
